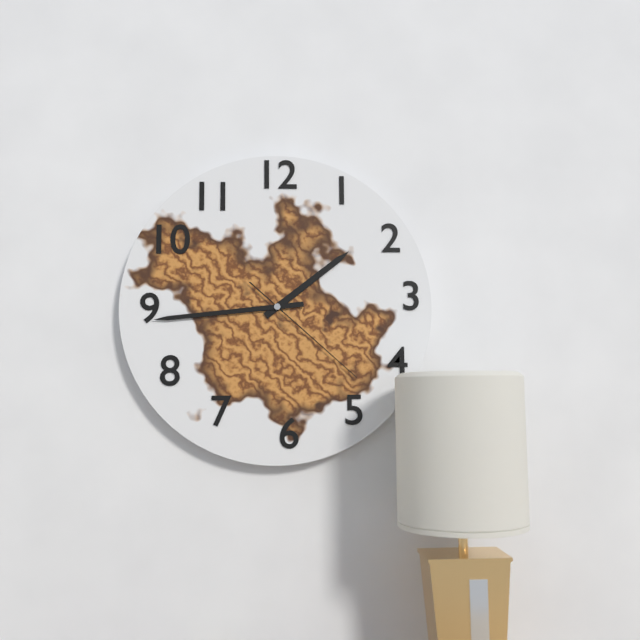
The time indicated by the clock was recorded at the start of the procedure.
1:44:22
